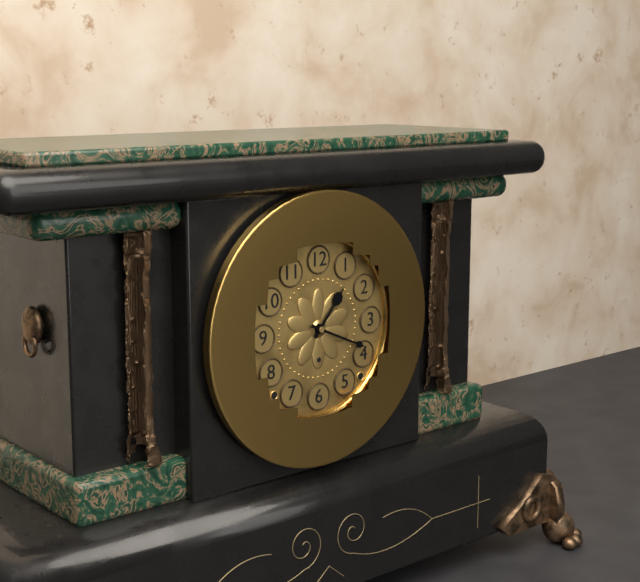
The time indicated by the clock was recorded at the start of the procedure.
1:19
